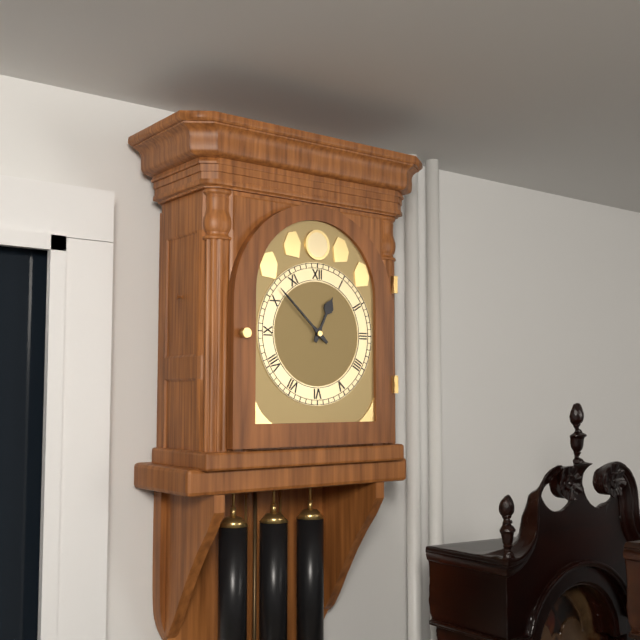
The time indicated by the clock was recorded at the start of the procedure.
12:52
